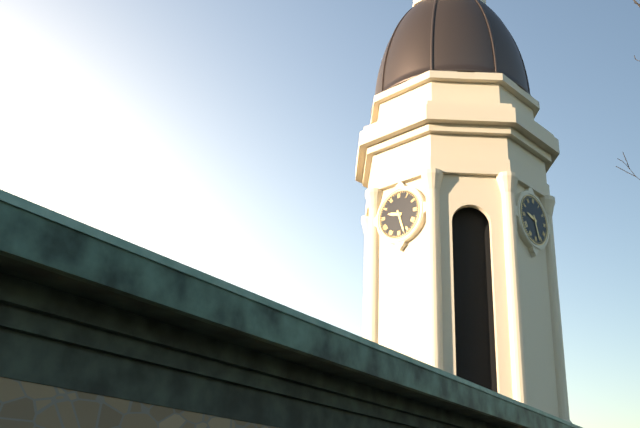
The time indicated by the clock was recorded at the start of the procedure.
9:27
